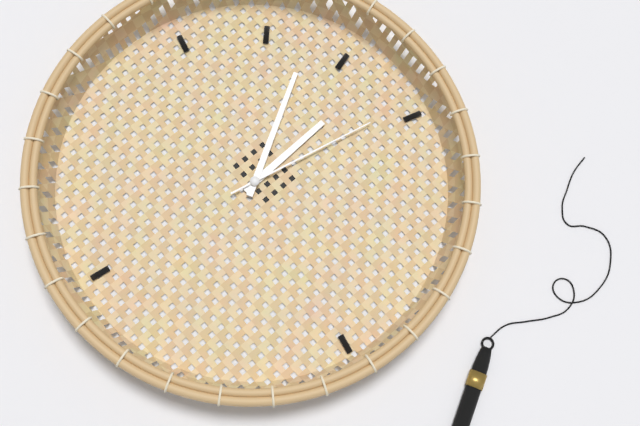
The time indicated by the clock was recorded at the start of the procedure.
11:55:02
